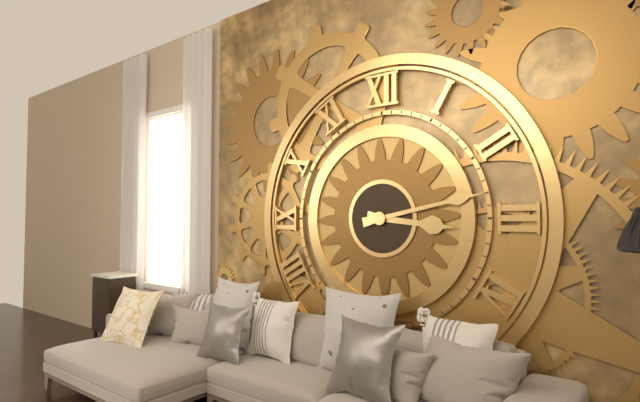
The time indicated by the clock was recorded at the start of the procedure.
3:13
